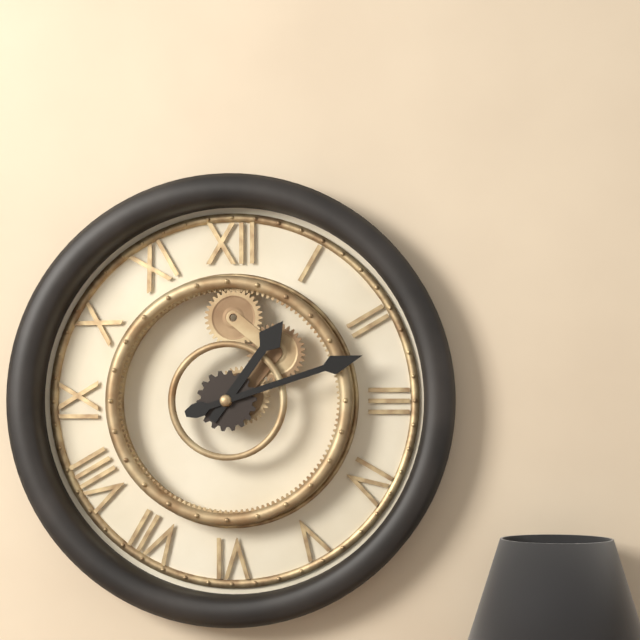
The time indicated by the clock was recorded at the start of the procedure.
1:12
